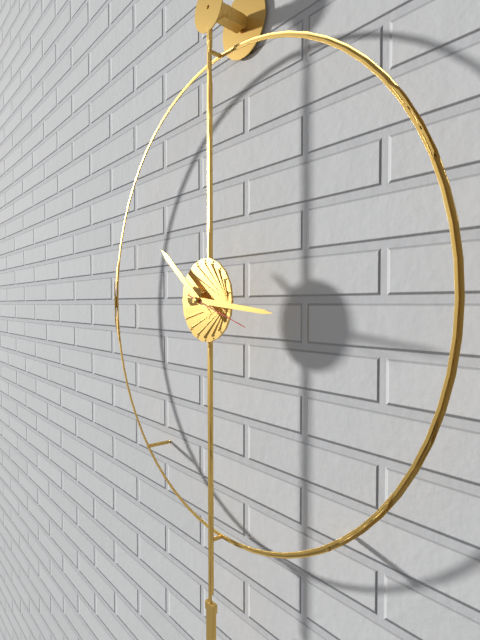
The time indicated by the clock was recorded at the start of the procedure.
10:16:18
